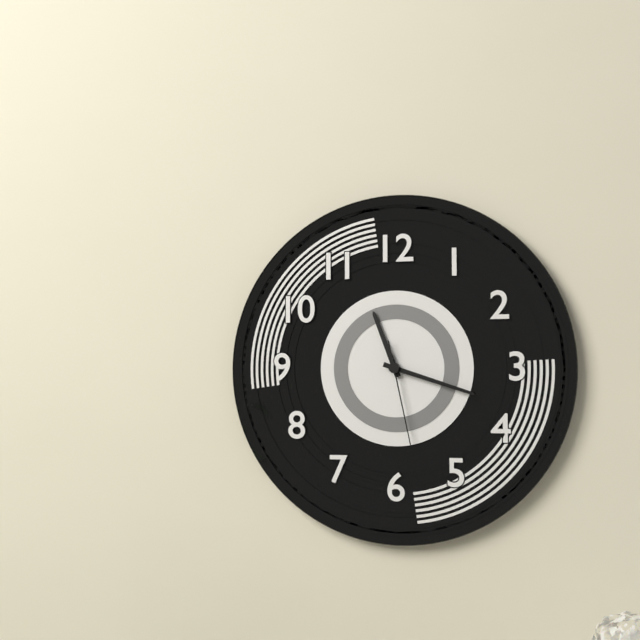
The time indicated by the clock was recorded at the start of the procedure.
11:18:28
